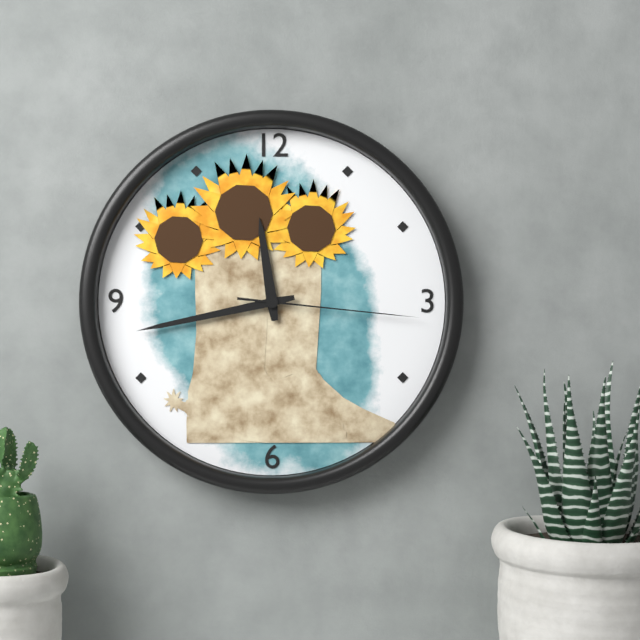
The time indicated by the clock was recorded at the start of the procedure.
11:43:16
